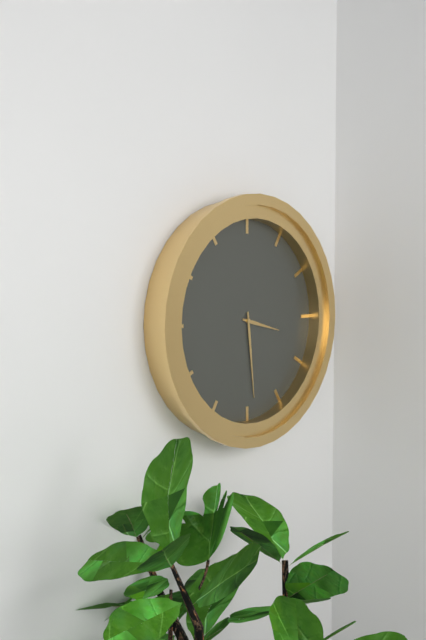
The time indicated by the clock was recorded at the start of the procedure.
3:29
